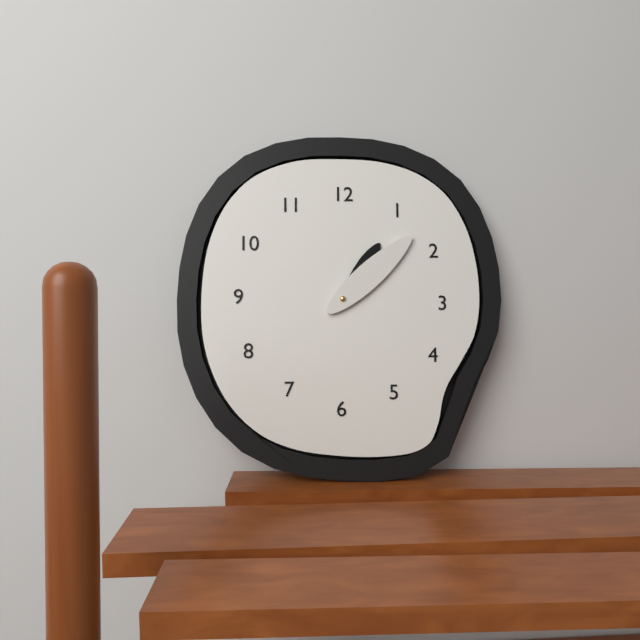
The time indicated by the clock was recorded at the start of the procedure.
1:08
